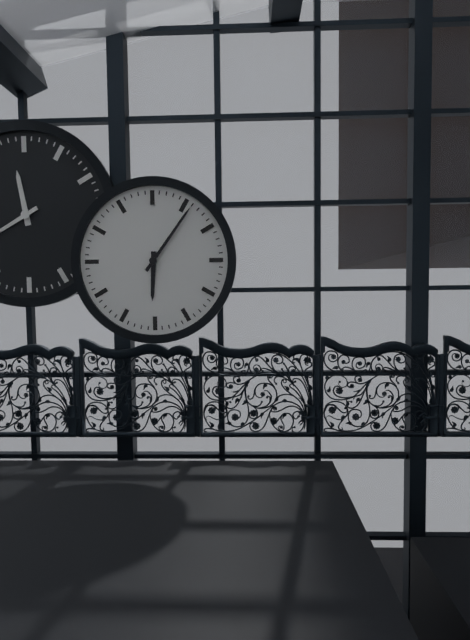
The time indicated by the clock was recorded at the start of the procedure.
6:06
